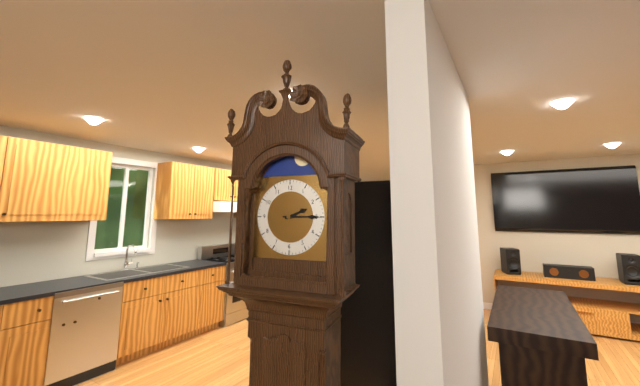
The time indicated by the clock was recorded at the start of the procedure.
2:15
